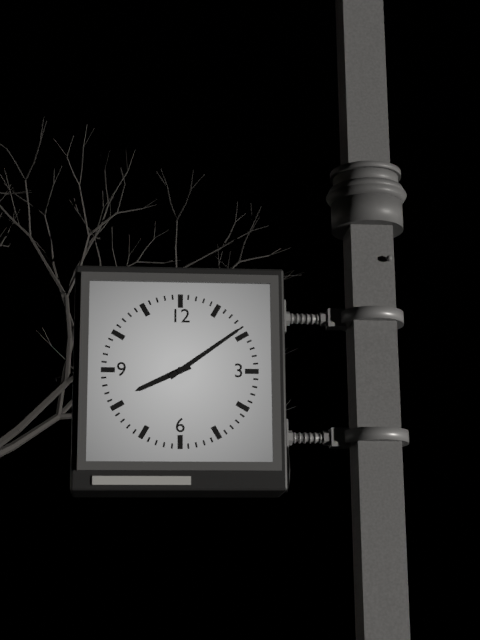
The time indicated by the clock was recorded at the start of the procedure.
8:09
